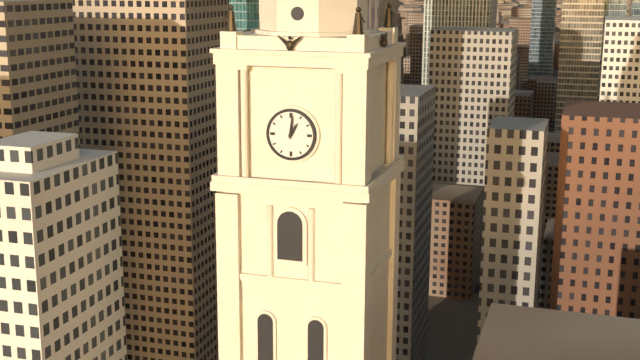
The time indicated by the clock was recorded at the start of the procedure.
1:01
